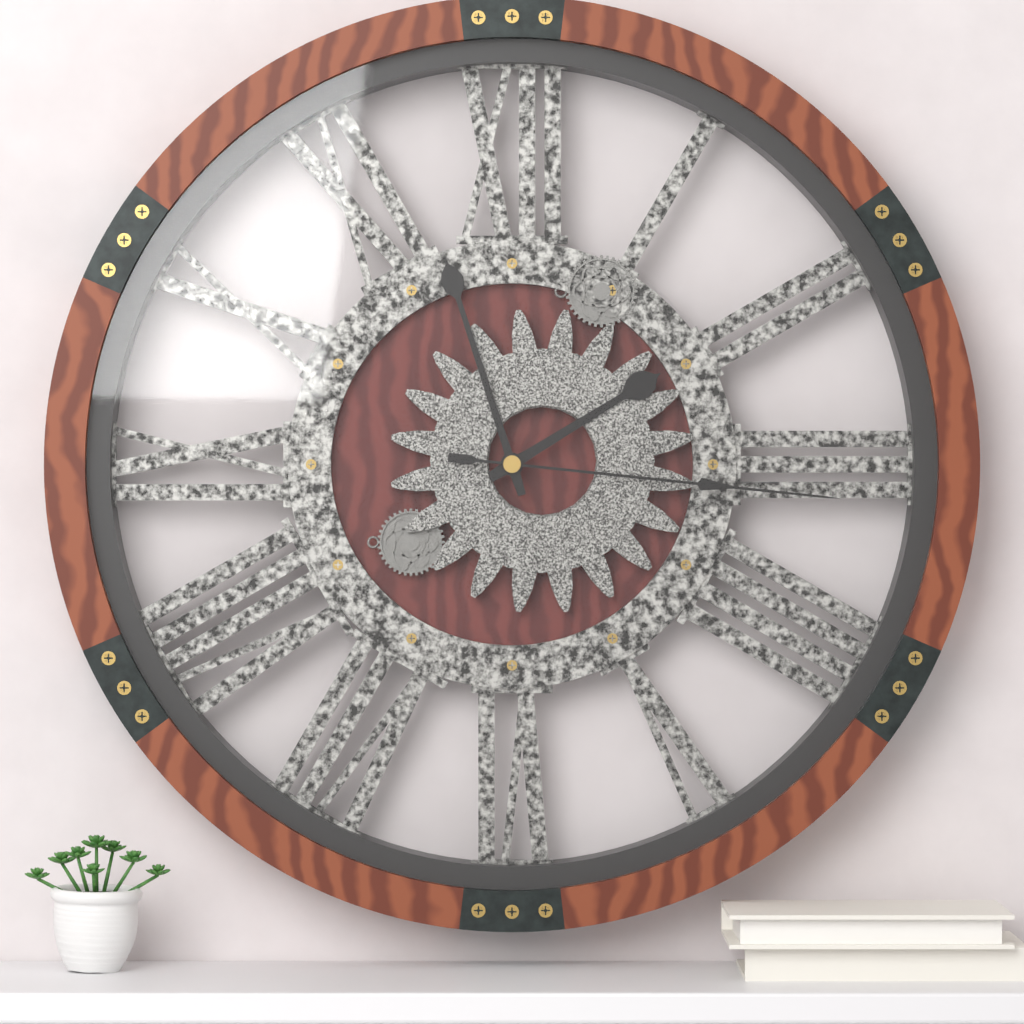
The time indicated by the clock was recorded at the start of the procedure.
1:57:16
